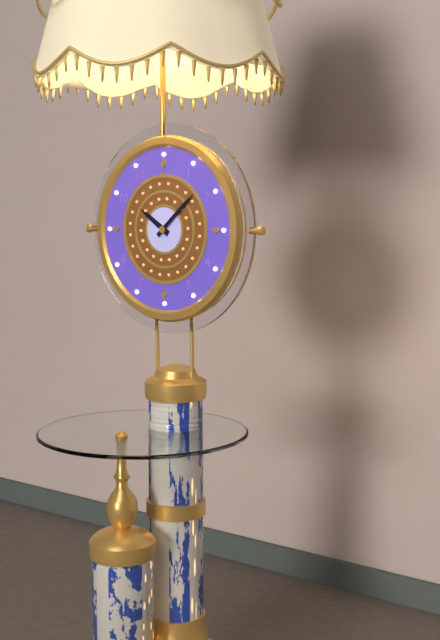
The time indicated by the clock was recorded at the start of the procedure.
10:08
